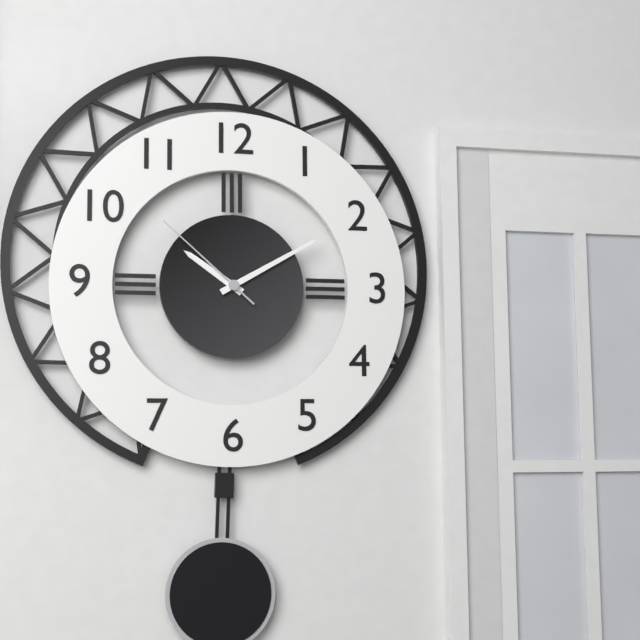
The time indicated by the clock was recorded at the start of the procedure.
10:10:52
